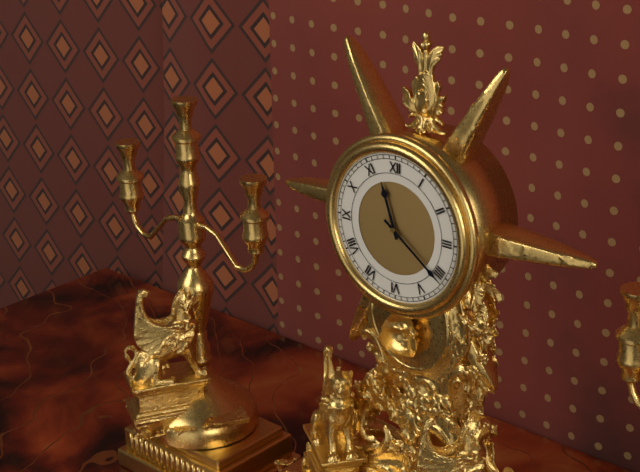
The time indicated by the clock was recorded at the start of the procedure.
11:21
